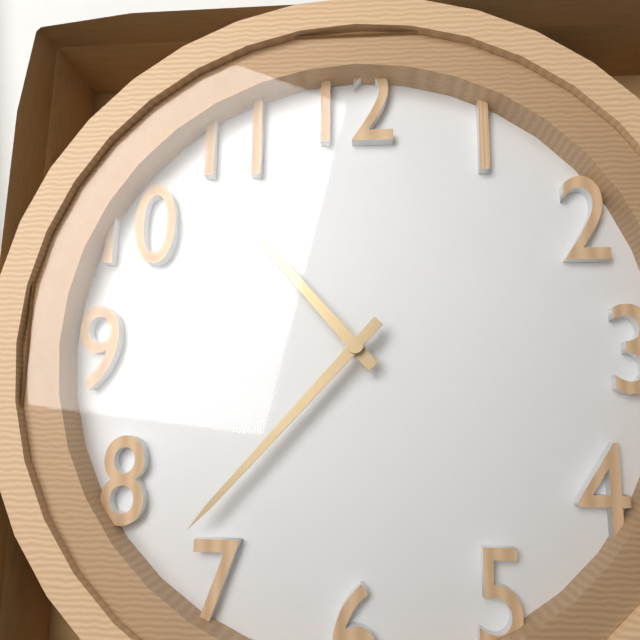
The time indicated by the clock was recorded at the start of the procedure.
10:37
